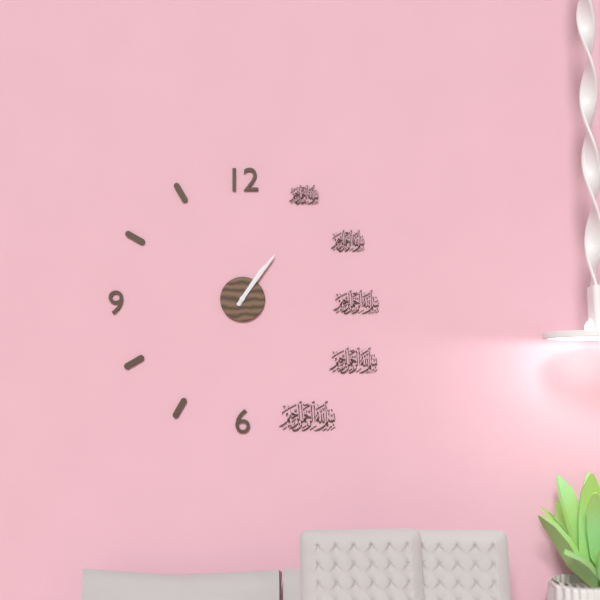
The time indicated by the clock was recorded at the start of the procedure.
1:06
